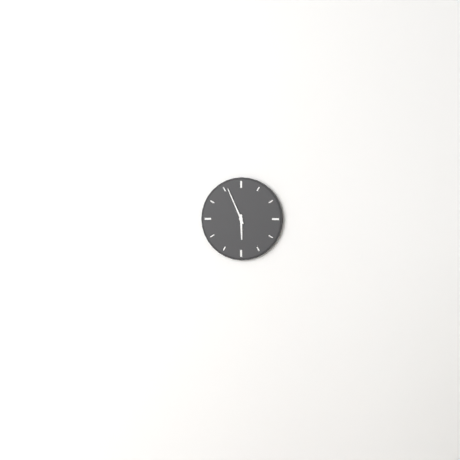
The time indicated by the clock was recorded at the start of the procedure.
5:56
